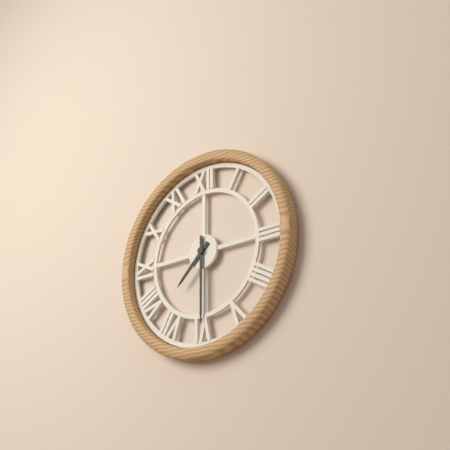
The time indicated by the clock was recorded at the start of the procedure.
7:30
